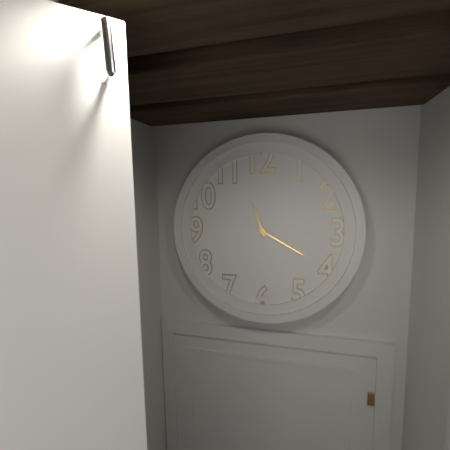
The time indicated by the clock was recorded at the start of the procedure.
11:20
